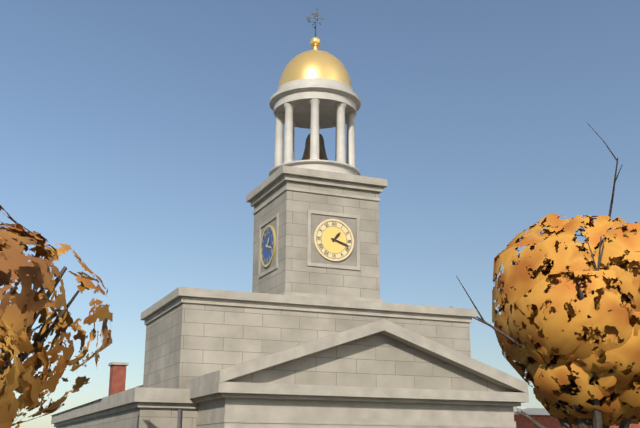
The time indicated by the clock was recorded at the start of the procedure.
1:18
